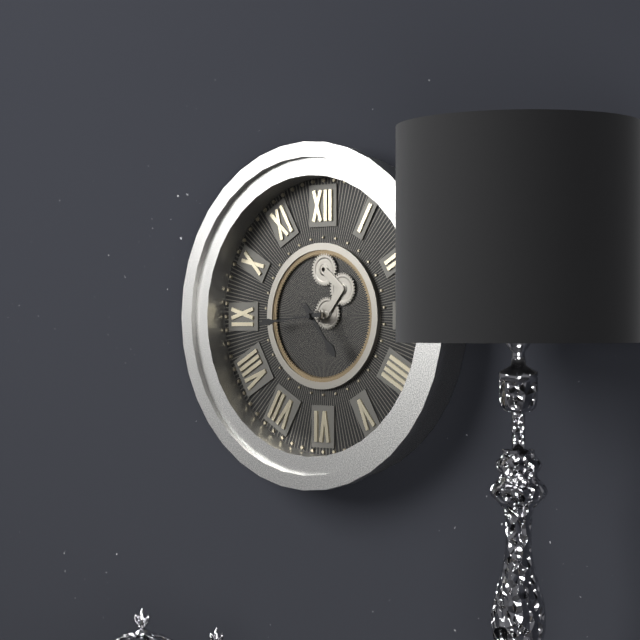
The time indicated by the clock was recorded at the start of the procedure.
4:44
